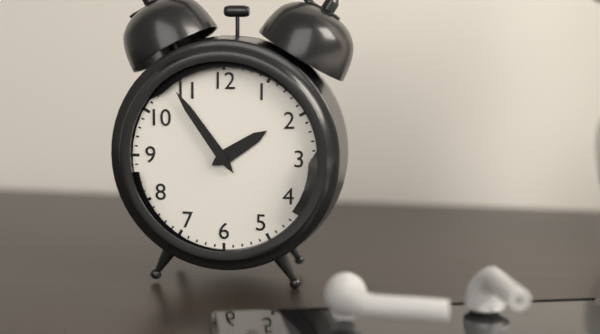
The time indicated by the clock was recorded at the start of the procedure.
1:54
